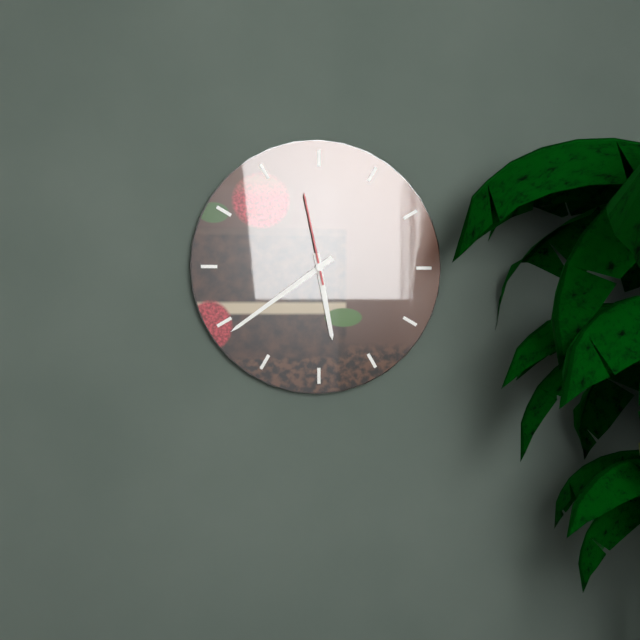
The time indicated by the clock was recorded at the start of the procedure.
5:39:58
